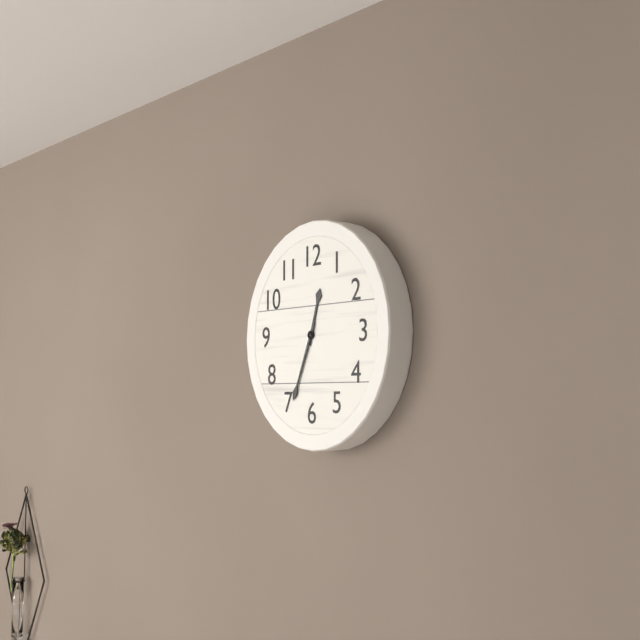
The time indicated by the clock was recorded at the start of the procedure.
12:34
